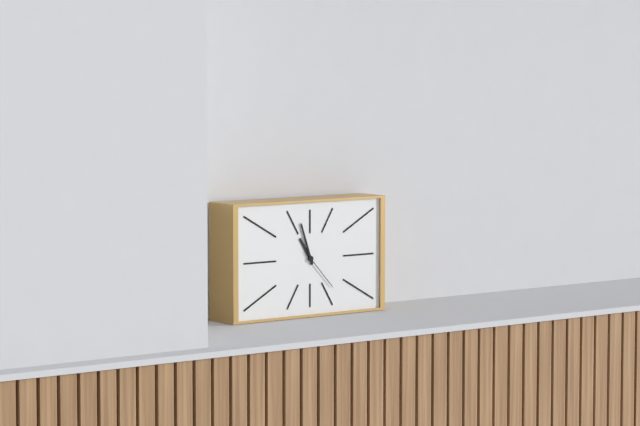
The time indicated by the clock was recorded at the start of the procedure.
10:57
